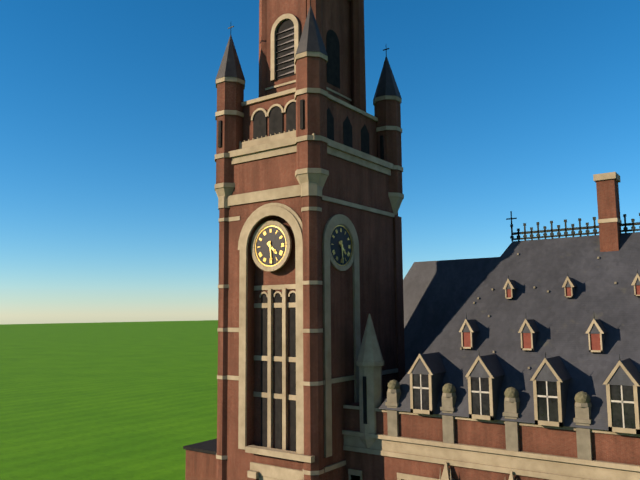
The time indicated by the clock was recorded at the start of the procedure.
4:29
